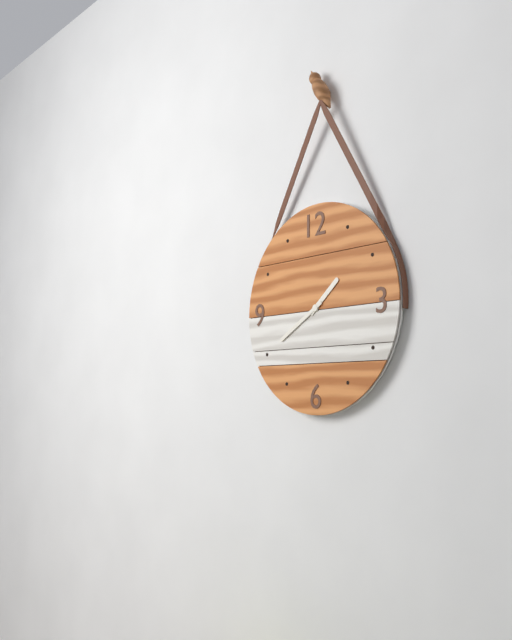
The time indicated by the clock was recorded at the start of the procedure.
1:40
